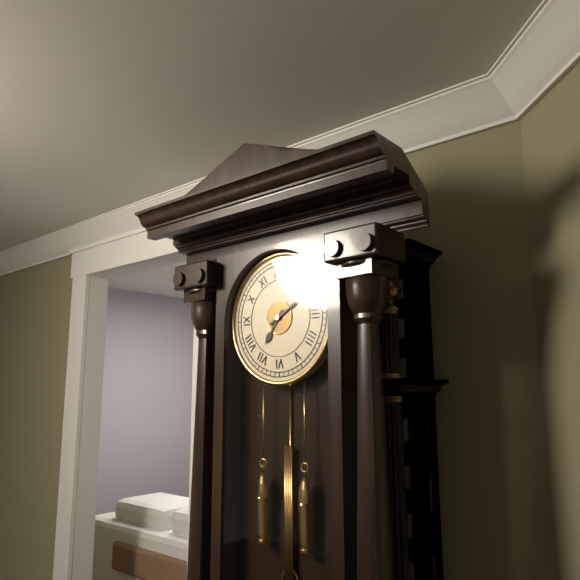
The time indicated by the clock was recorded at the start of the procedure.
7:10
